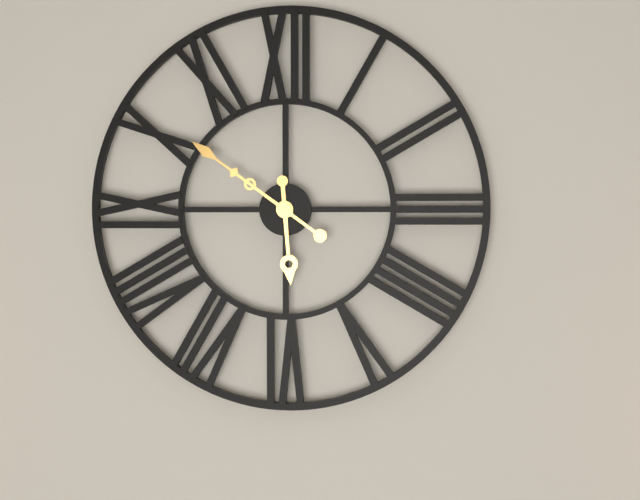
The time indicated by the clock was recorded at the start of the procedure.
5:51
